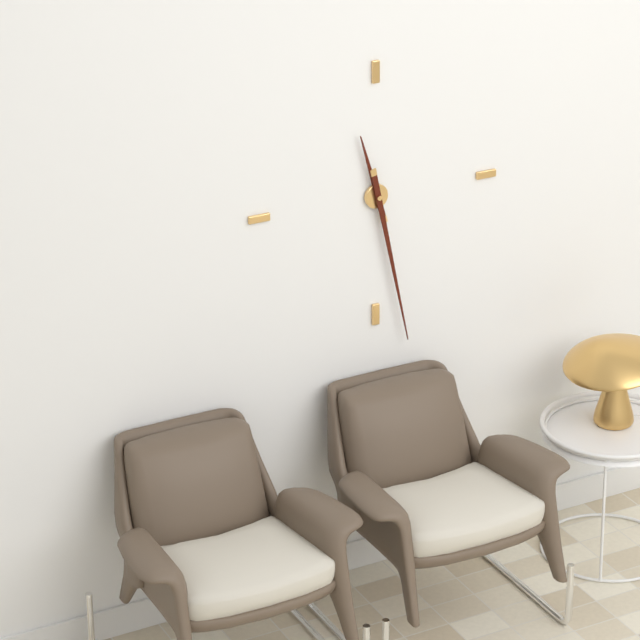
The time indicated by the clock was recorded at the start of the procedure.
11:28
